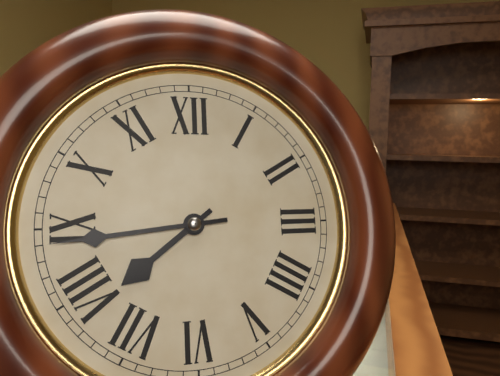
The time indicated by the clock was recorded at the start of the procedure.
7:44
